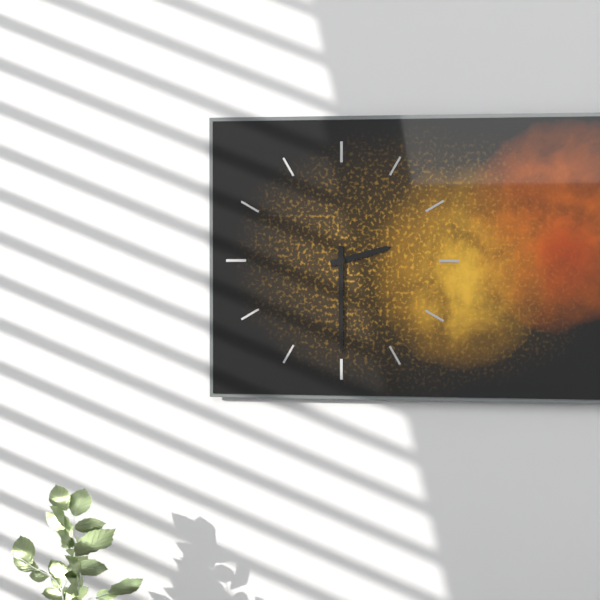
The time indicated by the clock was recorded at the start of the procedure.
2:30
